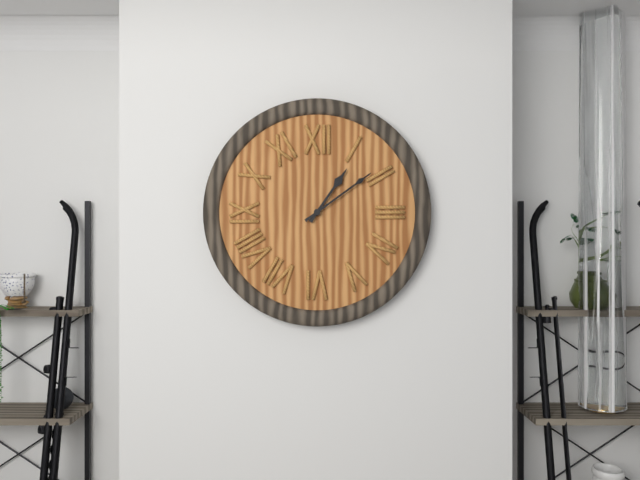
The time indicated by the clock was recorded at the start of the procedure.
1:09
